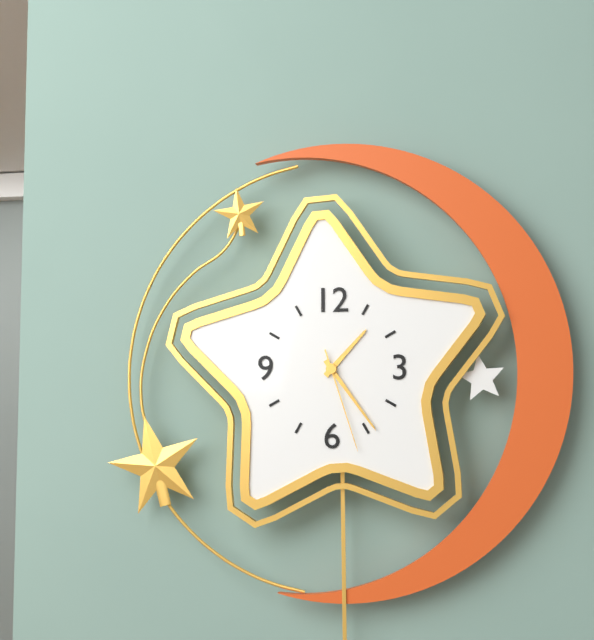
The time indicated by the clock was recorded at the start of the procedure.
1:24:27
